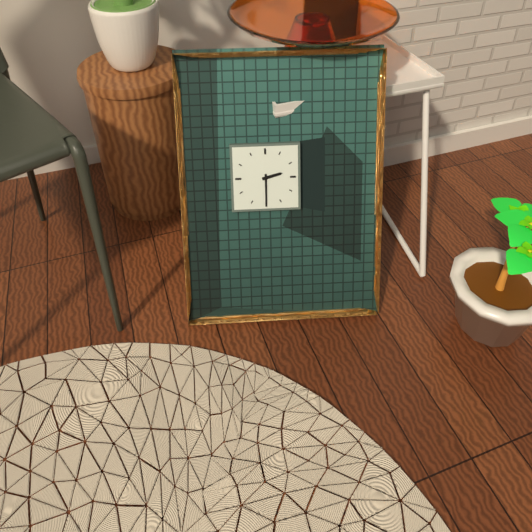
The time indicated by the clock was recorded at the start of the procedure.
2:30
